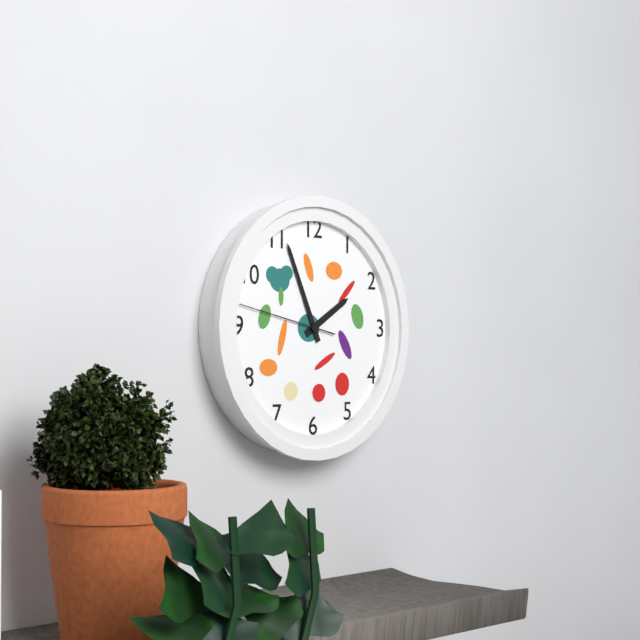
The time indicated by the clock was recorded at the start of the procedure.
1:56:47
